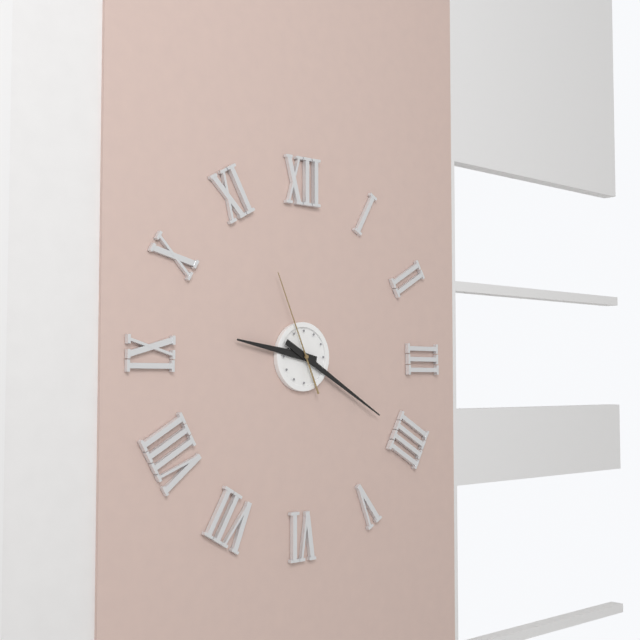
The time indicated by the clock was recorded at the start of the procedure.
9:20:56
